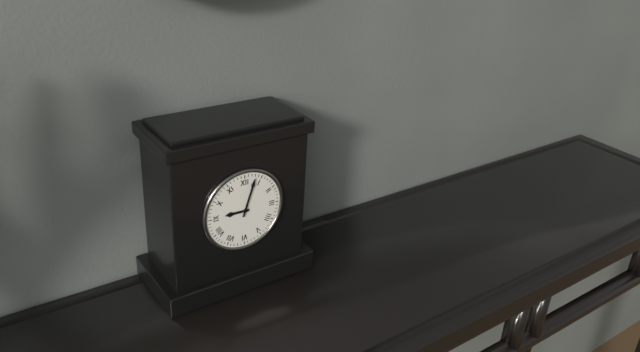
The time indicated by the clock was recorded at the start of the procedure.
9:03
